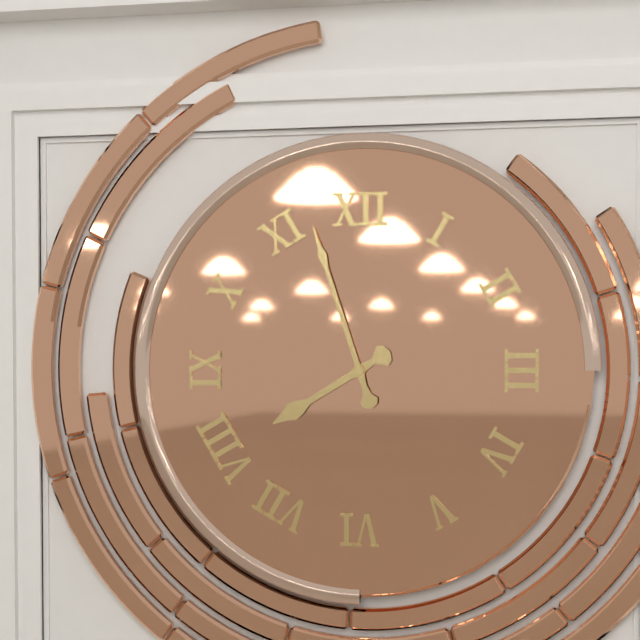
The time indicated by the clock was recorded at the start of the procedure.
7:57
